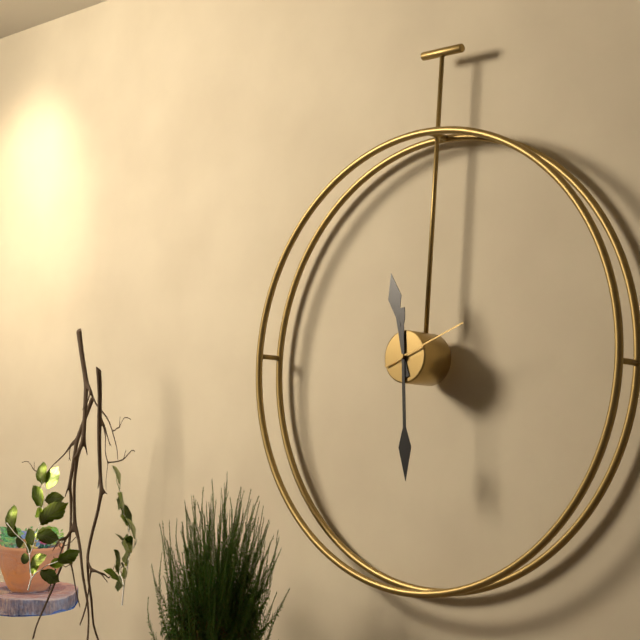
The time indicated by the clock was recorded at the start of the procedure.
11:29:11
